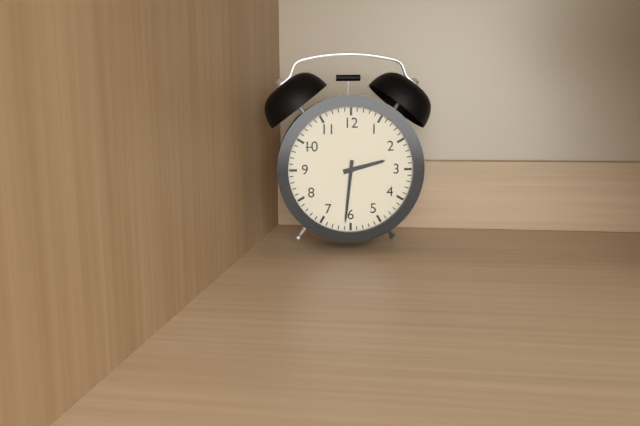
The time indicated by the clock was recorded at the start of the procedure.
2:31
